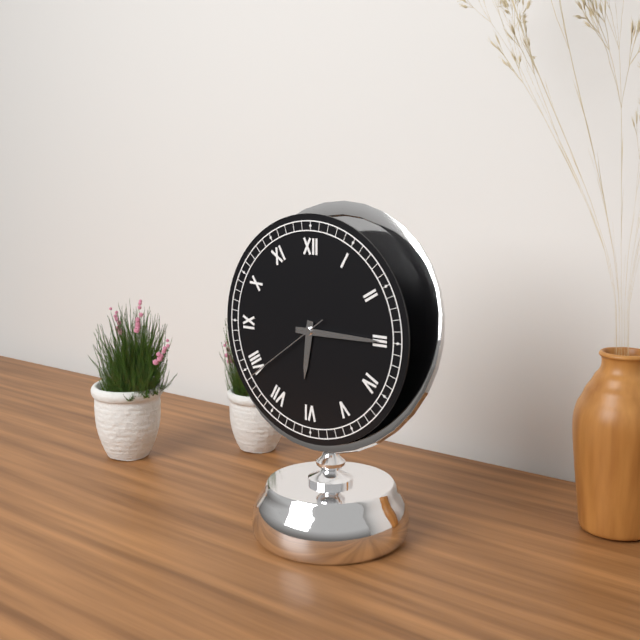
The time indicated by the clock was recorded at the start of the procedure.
6:15:39
